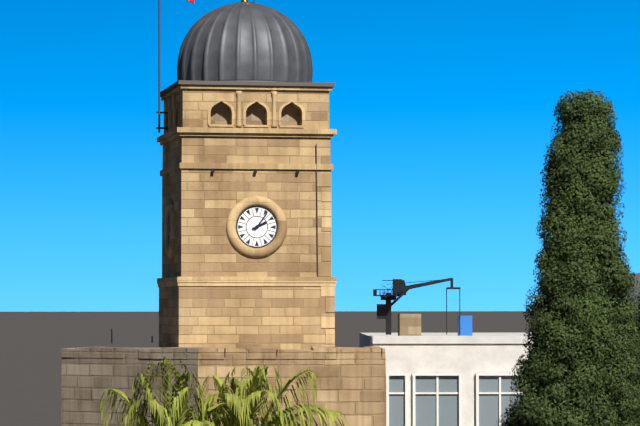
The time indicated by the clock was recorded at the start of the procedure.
2:06
